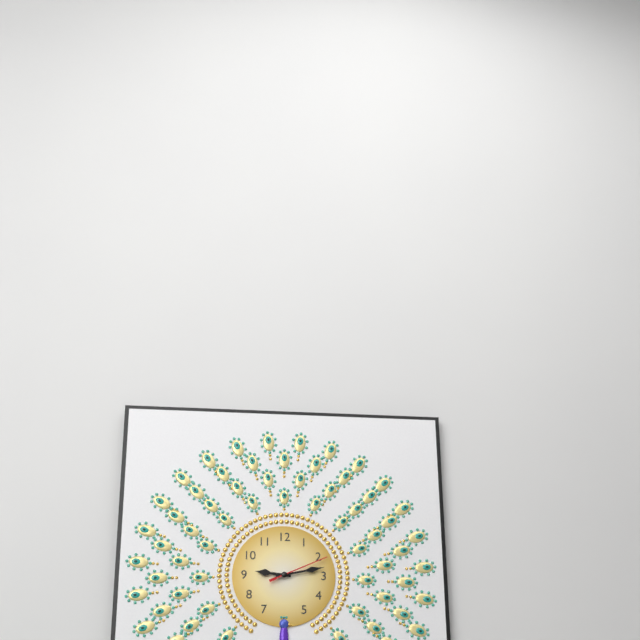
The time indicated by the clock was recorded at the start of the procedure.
9:13:11
